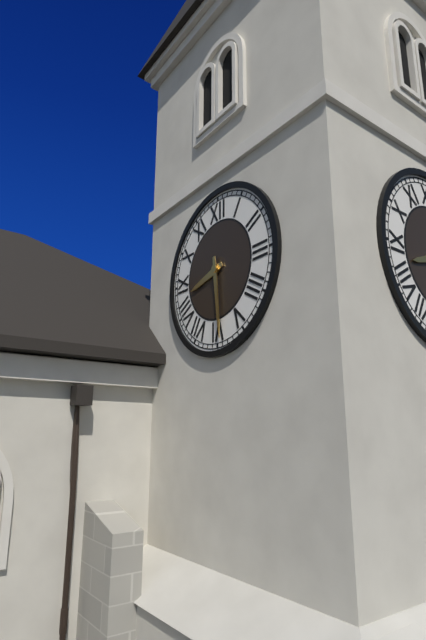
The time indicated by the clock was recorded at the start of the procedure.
8:29
